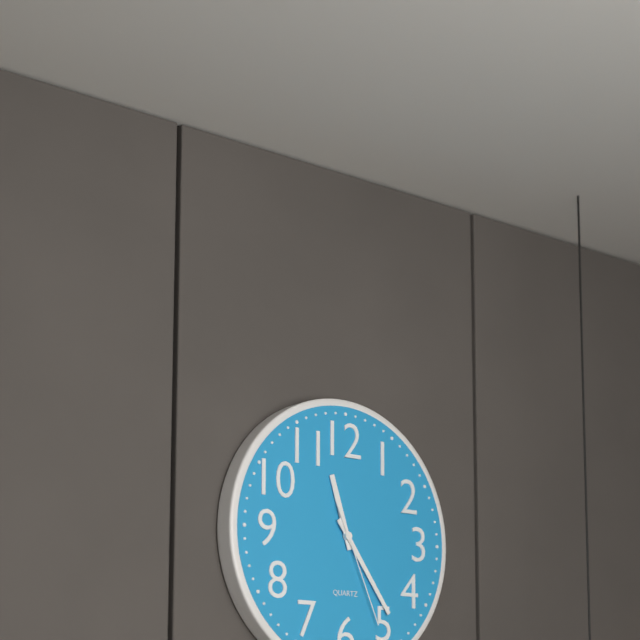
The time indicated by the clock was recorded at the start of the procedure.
11:24:26
